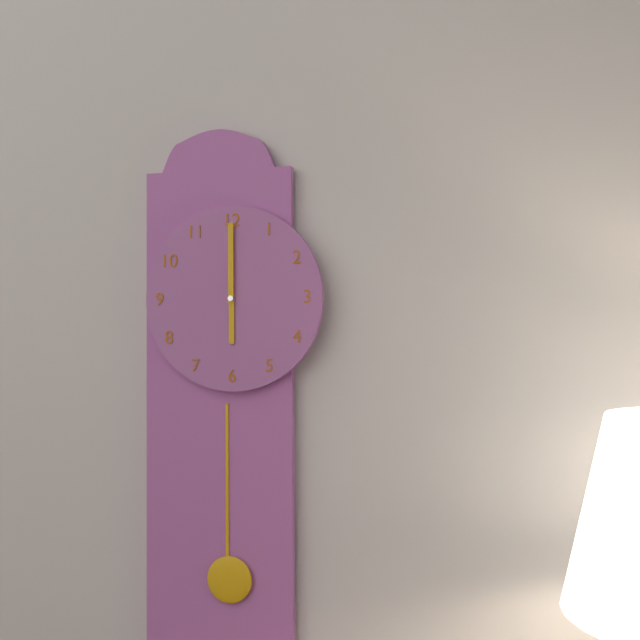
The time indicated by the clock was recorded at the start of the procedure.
6:00
